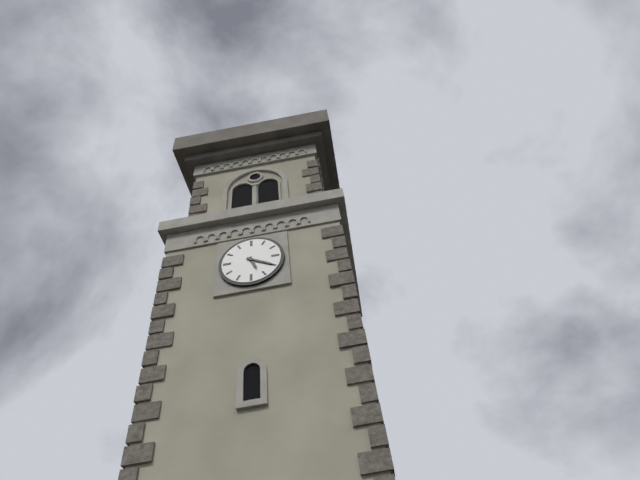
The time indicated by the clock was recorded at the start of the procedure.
5:20
